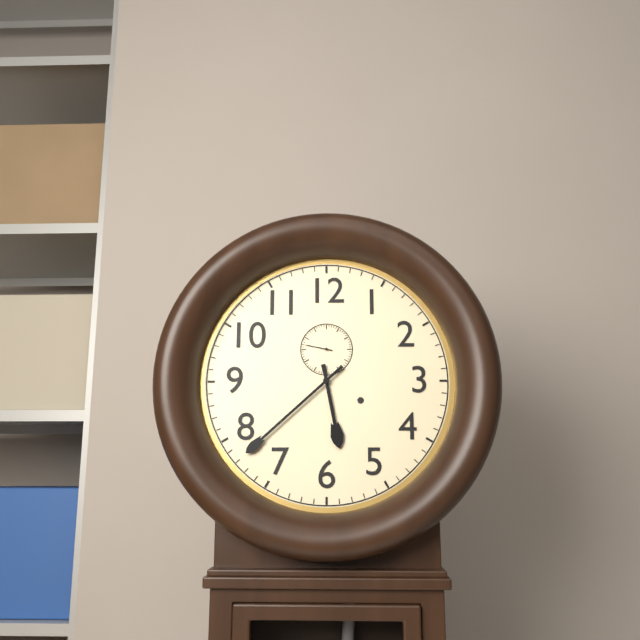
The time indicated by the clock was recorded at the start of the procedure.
5:38
